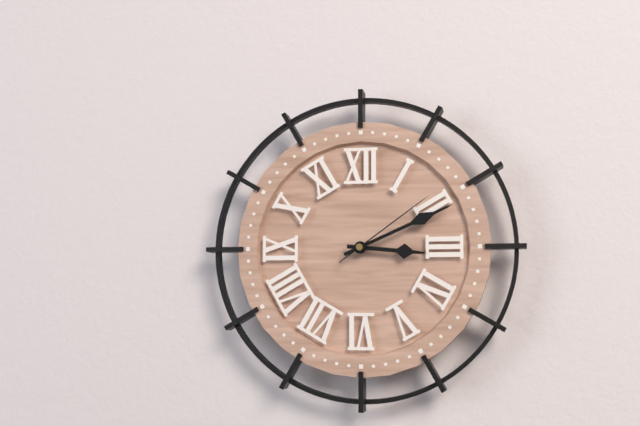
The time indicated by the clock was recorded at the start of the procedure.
3:11:09
